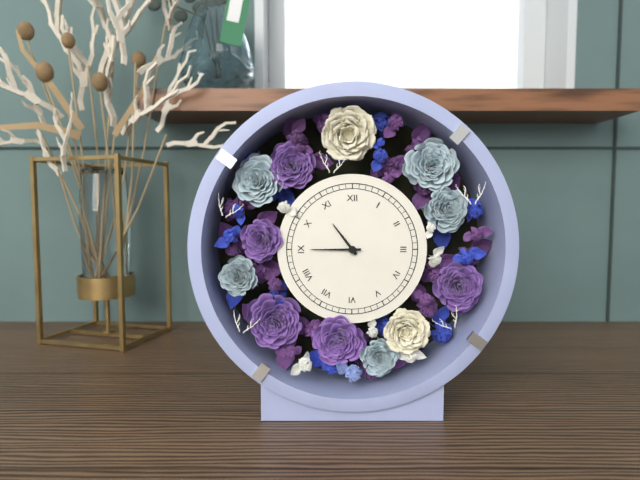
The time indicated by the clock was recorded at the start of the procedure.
10:45
